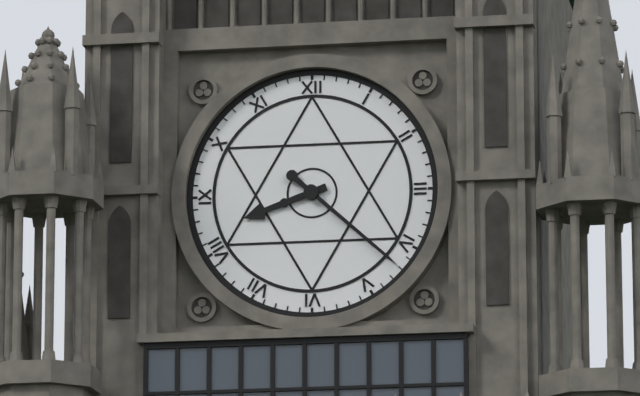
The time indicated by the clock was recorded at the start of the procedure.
8:22
